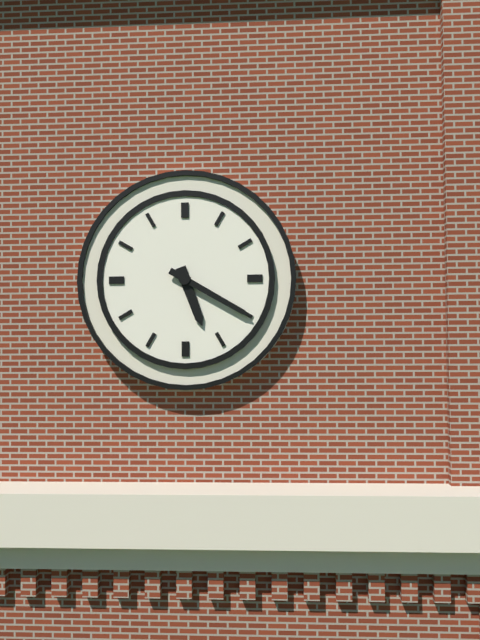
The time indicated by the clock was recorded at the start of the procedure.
5:20
